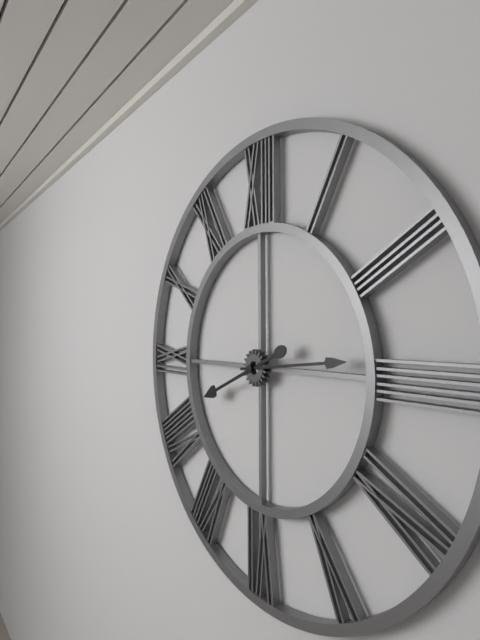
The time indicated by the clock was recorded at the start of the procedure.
8:14
